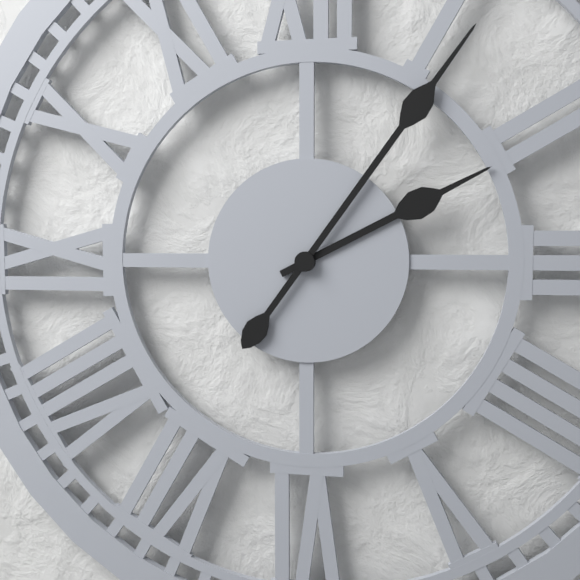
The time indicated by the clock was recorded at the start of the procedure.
2:06
